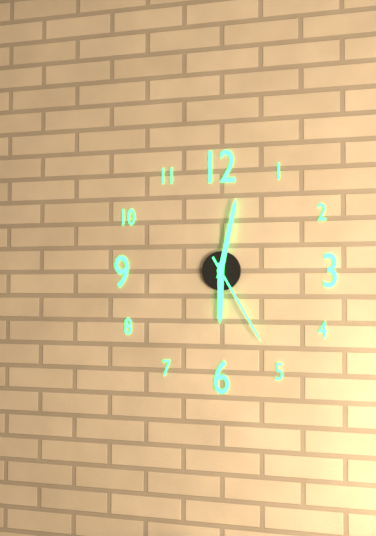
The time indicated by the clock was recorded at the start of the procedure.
6:02:25
